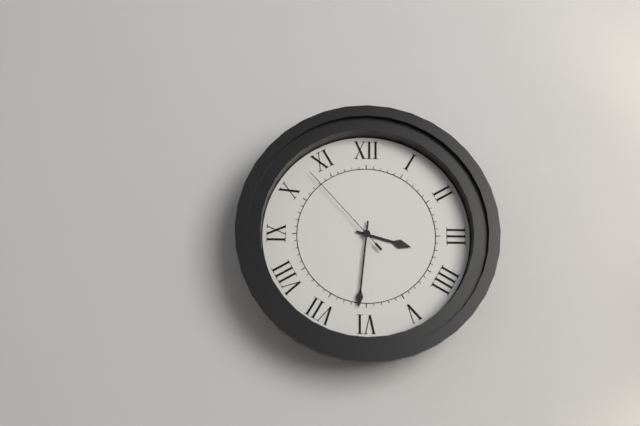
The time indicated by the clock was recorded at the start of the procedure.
3:31:53
